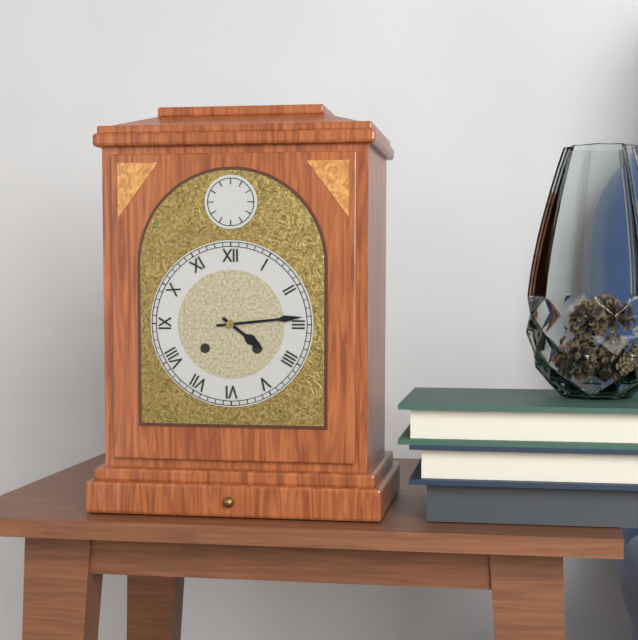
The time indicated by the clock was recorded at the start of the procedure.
4:14
